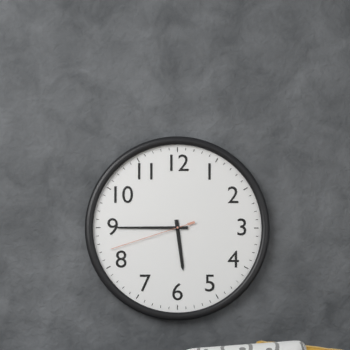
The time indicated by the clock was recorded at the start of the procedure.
5:45:42
